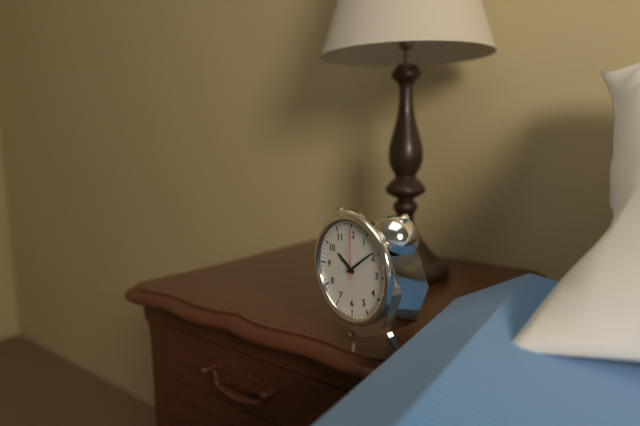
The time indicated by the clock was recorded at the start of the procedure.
10:09:00
